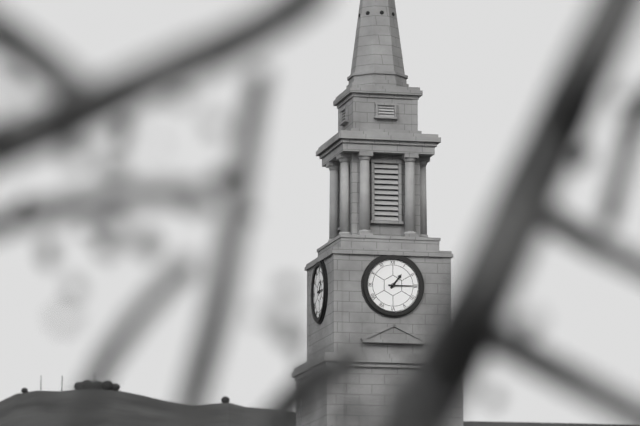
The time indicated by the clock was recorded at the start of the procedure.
1:15
